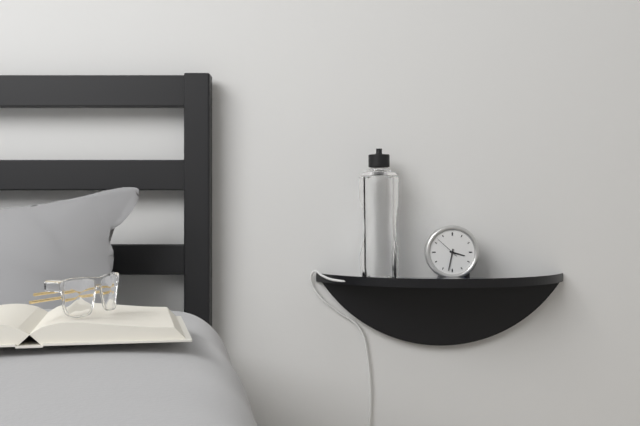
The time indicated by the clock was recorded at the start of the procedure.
3:32
